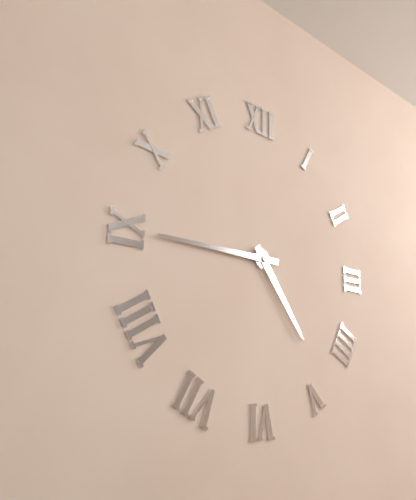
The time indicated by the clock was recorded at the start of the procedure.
4:45
